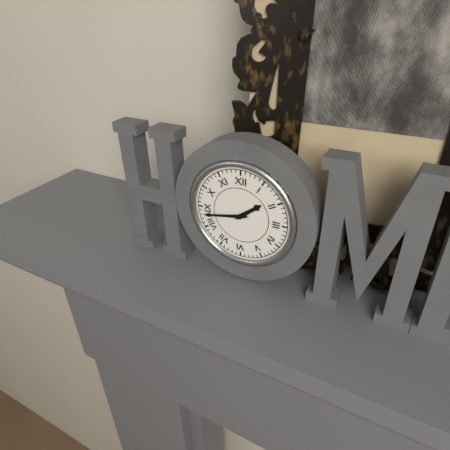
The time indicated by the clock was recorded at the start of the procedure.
1:43
